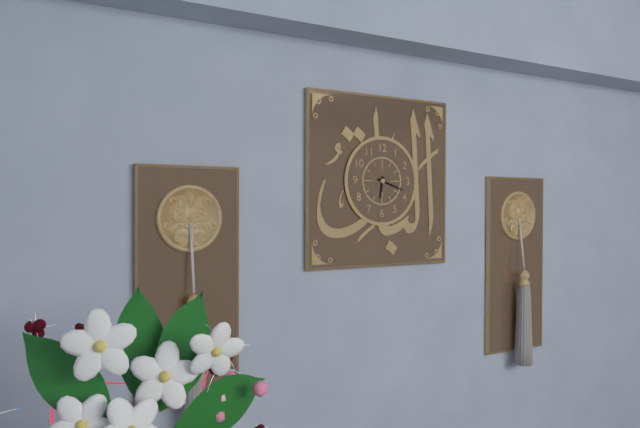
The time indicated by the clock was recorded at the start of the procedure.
6:18
